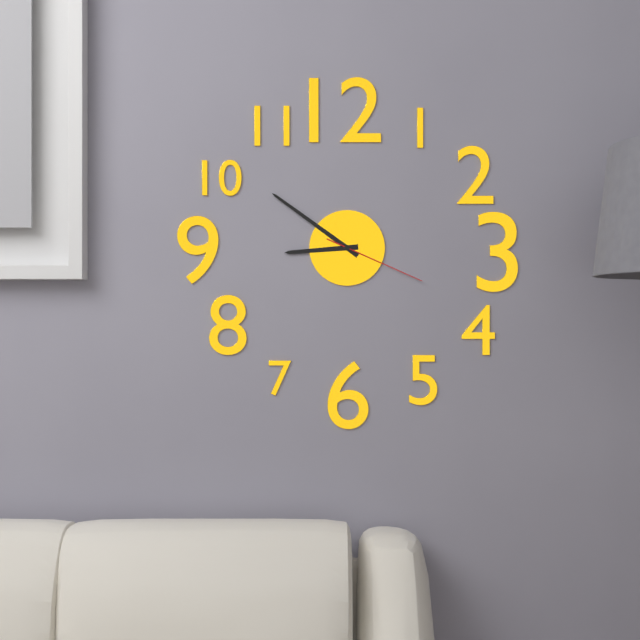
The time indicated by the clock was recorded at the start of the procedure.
8:51:19
